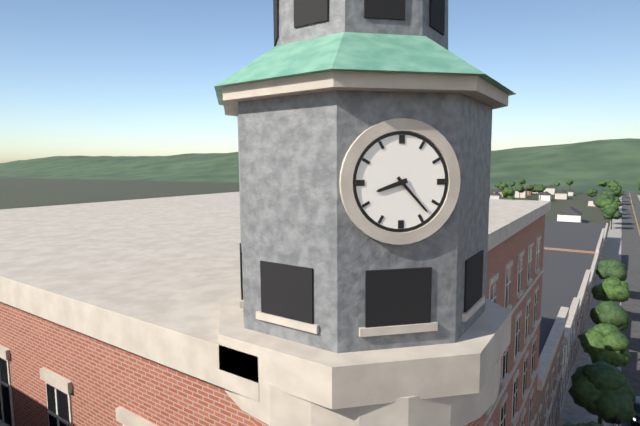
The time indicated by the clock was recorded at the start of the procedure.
8:23
